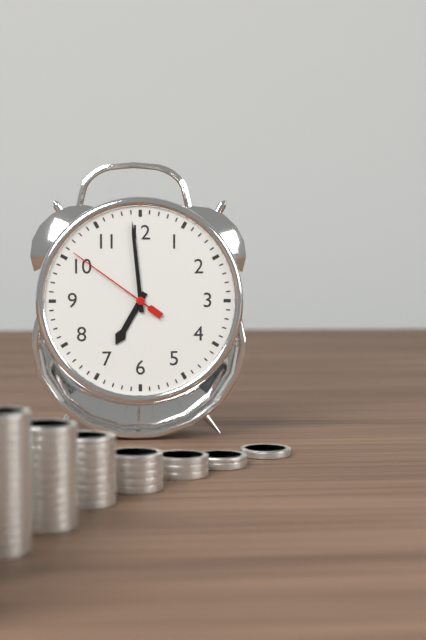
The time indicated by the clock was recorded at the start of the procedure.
6:59:51
